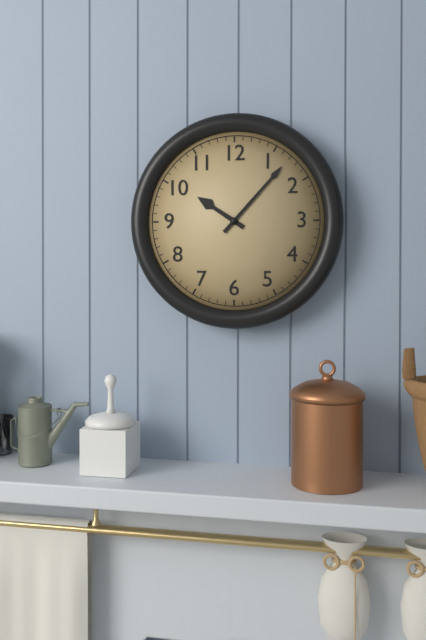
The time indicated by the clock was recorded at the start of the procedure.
10:07
